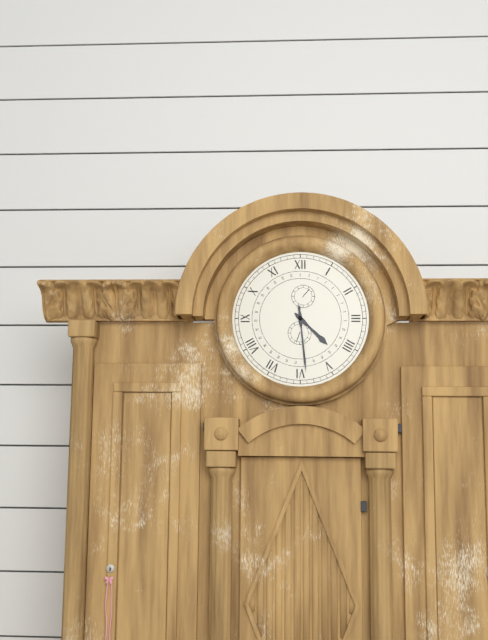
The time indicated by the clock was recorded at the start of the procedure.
4:29
